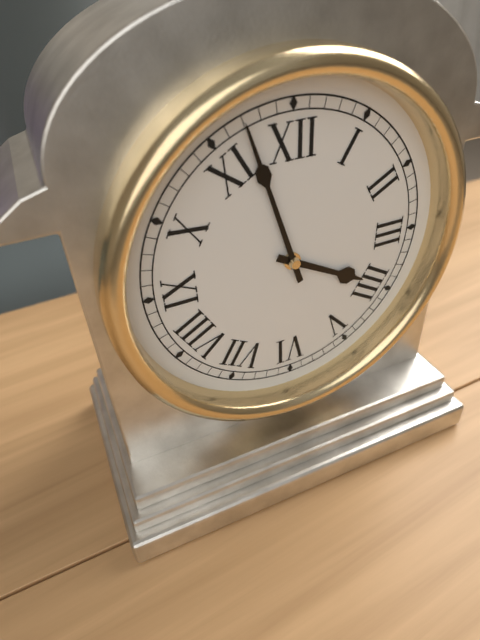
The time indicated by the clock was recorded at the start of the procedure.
3:57
